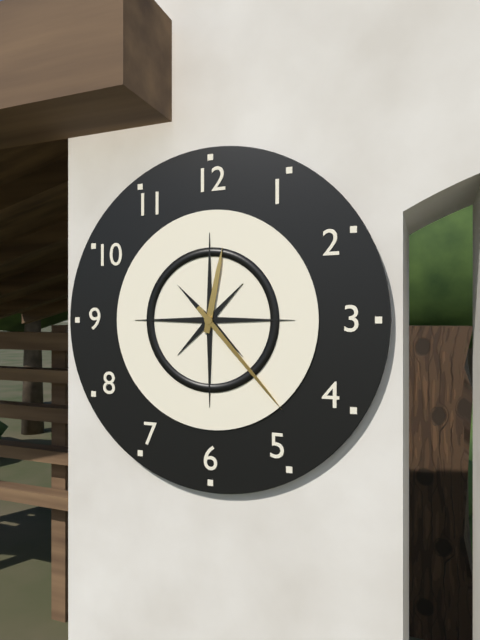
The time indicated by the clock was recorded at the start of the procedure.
12:23
